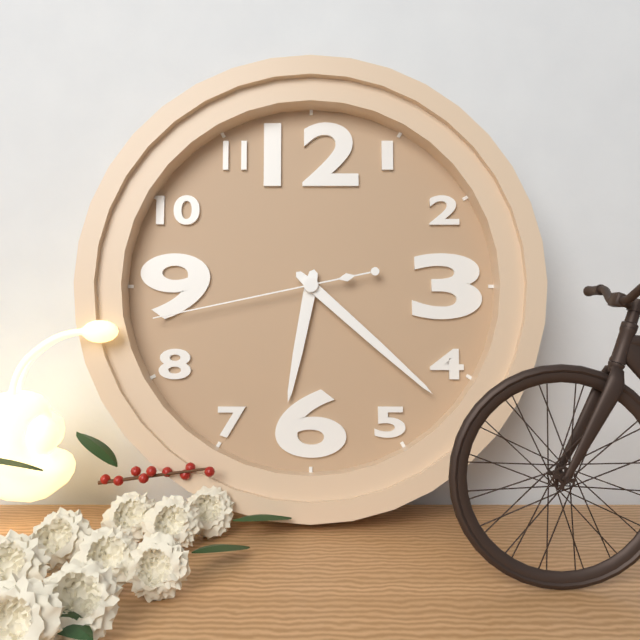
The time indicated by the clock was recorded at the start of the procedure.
6:22:43
